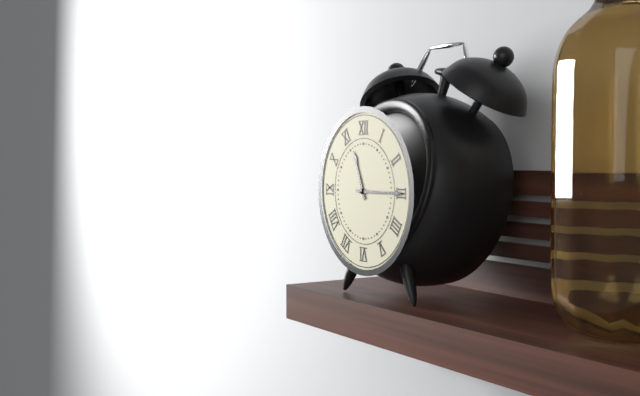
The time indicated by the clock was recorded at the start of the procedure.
11:15
